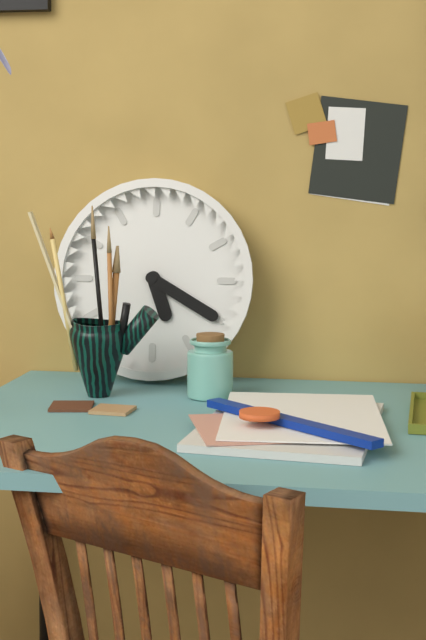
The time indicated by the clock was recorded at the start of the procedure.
5:20
